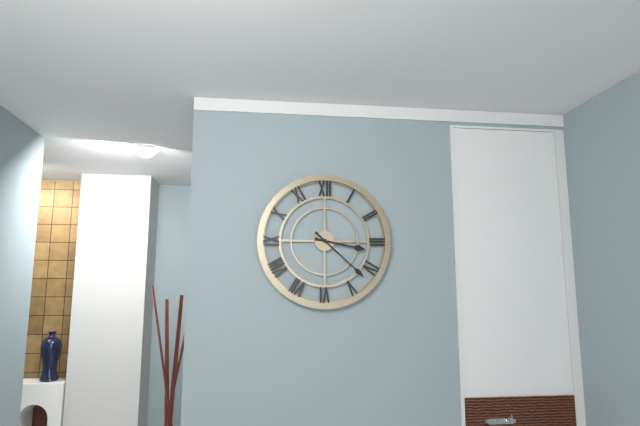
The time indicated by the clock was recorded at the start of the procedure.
3:22
